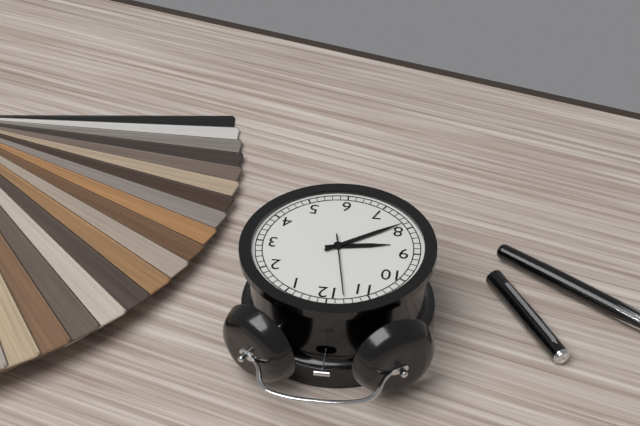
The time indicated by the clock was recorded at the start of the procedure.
8:39:58
